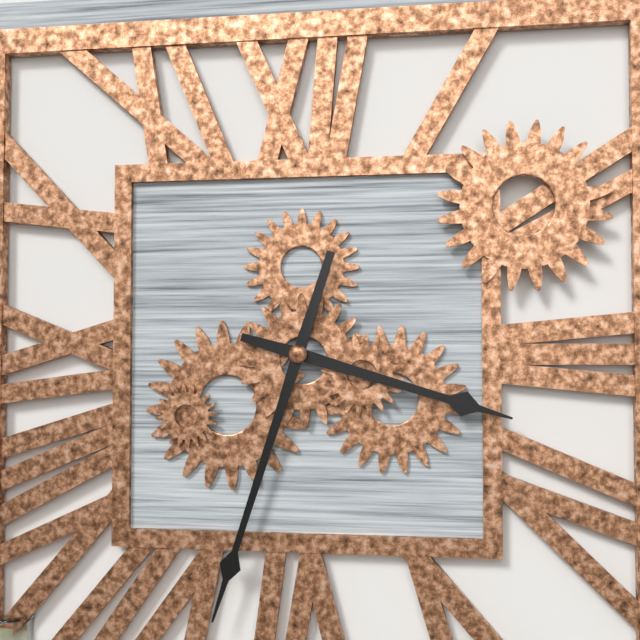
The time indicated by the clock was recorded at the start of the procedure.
3:33
